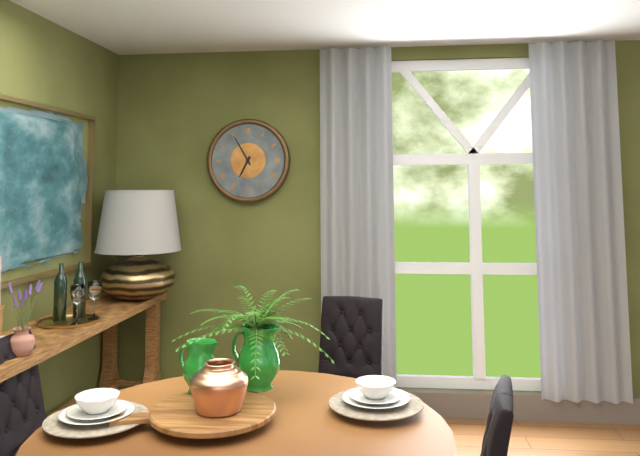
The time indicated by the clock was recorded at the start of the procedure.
6:55
